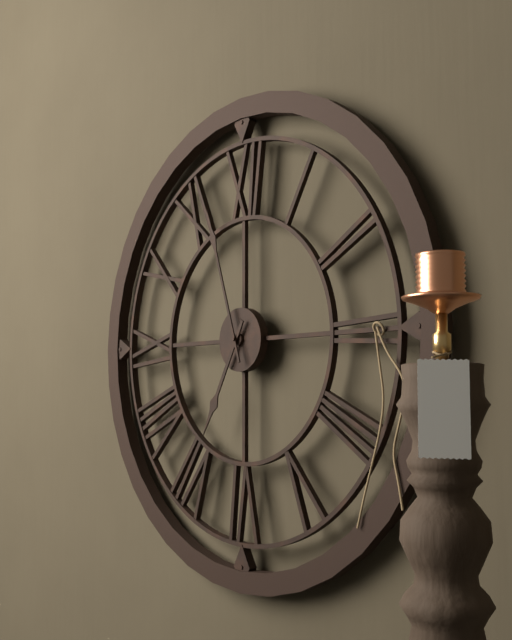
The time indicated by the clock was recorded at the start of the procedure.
6:57
